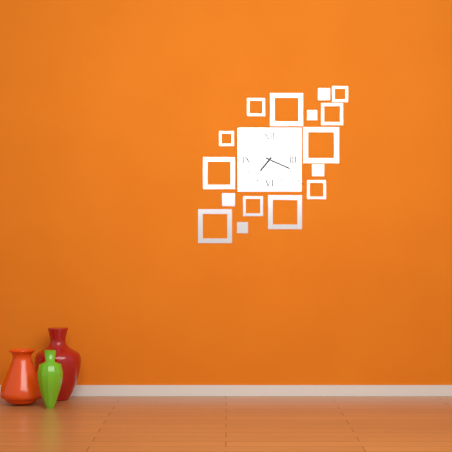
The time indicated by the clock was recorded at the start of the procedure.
7:19:21
